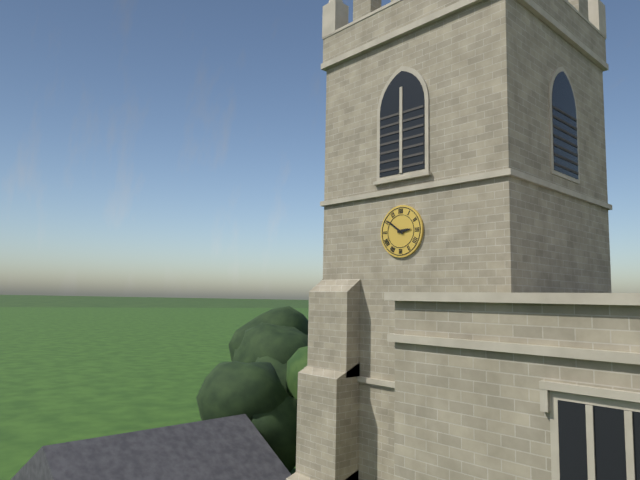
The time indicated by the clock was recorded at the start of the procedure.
2:51
